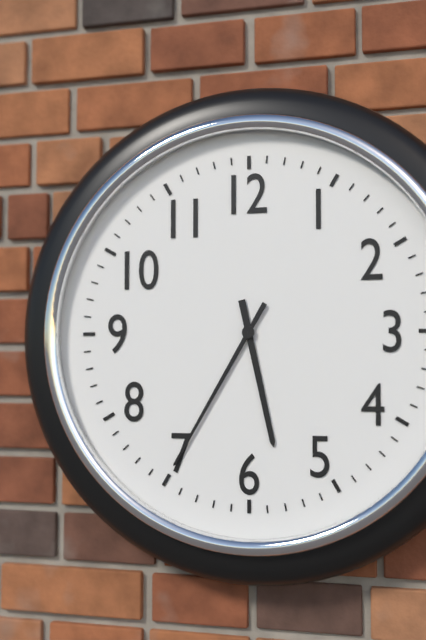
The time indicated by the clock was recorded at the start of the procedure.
5:35
